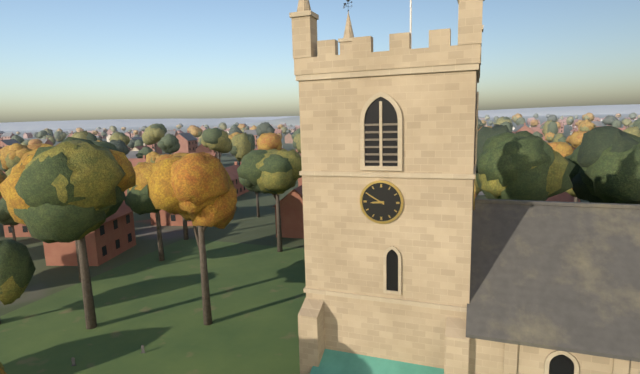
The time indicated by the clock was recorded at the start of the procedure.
8:50
